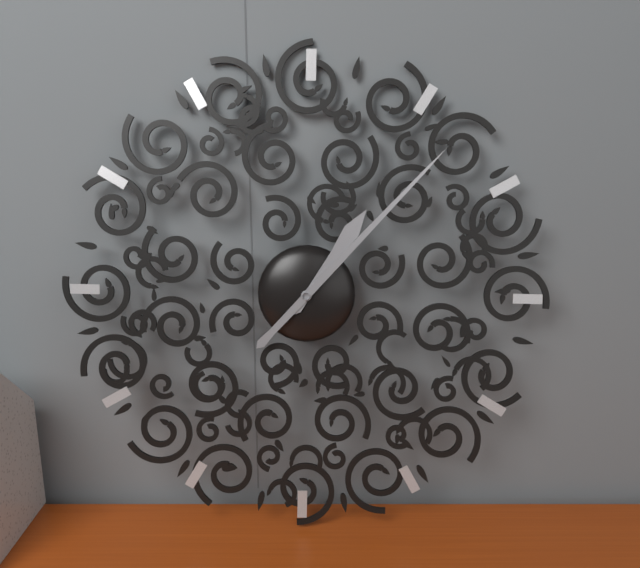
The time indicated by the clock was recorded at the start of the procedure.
1:07
